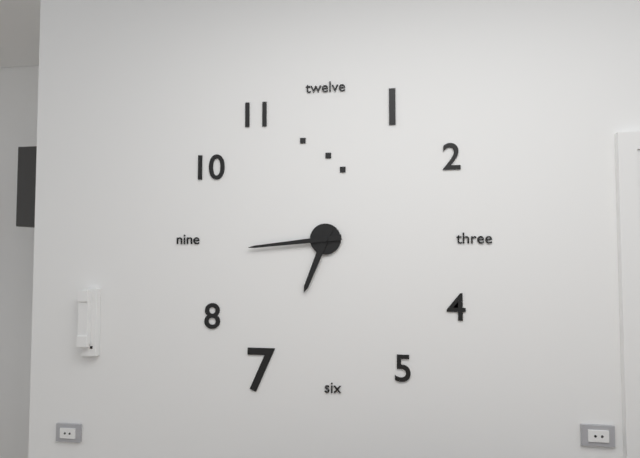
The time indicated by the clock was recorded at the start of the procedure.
6:44
